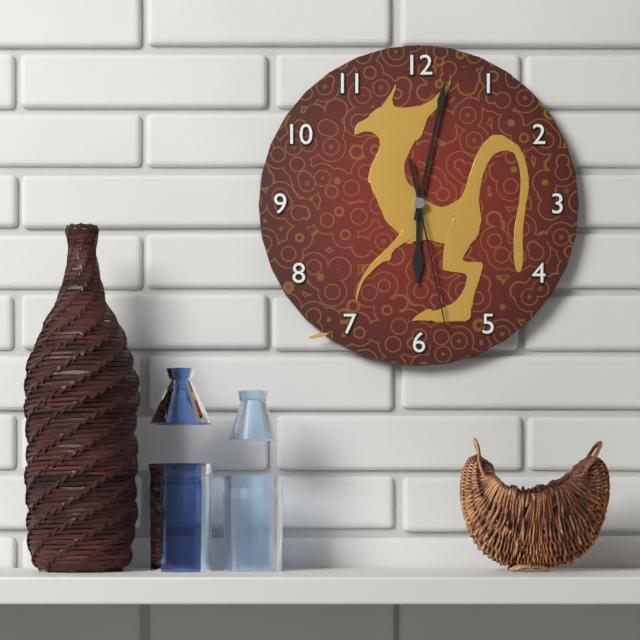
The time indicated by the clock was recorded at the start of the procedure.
6:02:28
